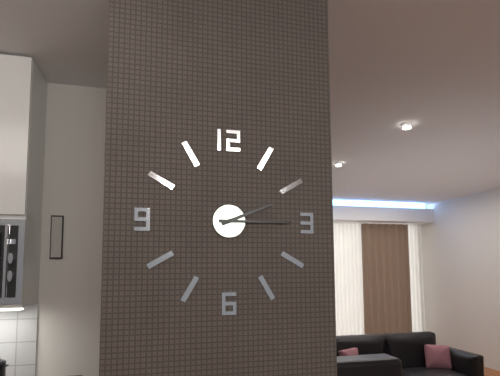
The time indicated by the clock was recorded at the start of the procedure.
2:15
